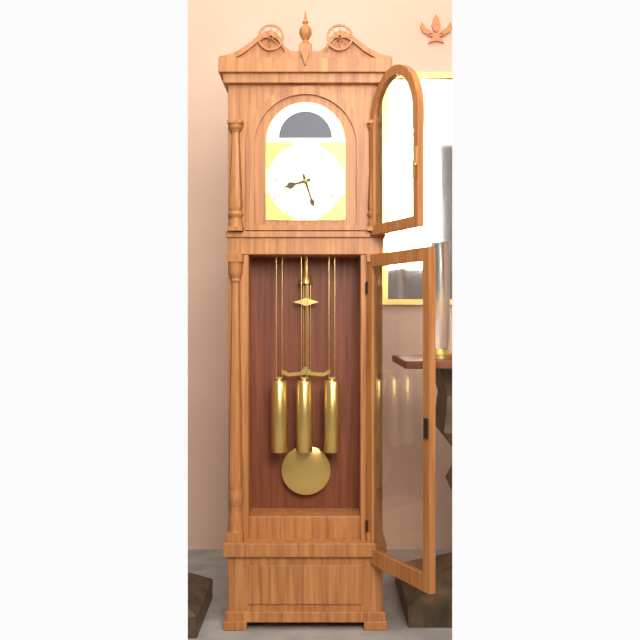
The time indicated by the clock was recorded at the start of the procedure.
8:27
